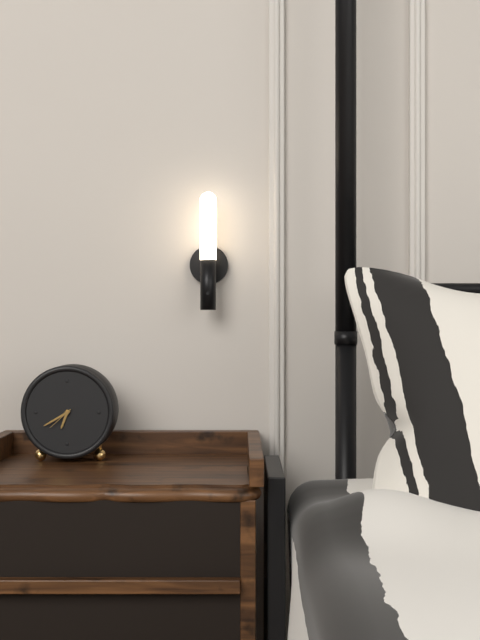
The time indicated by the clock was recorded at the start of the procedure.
6:40
